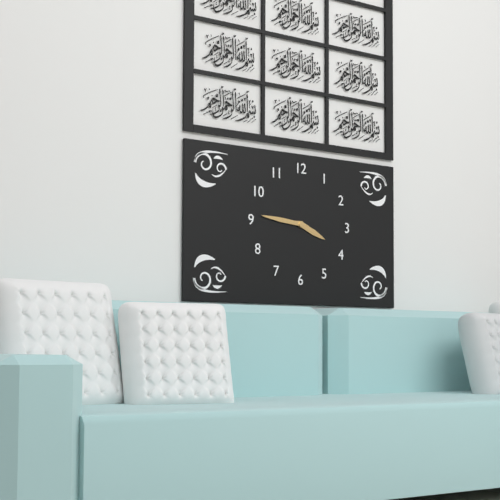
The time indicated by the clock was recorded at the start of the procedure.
3:46
